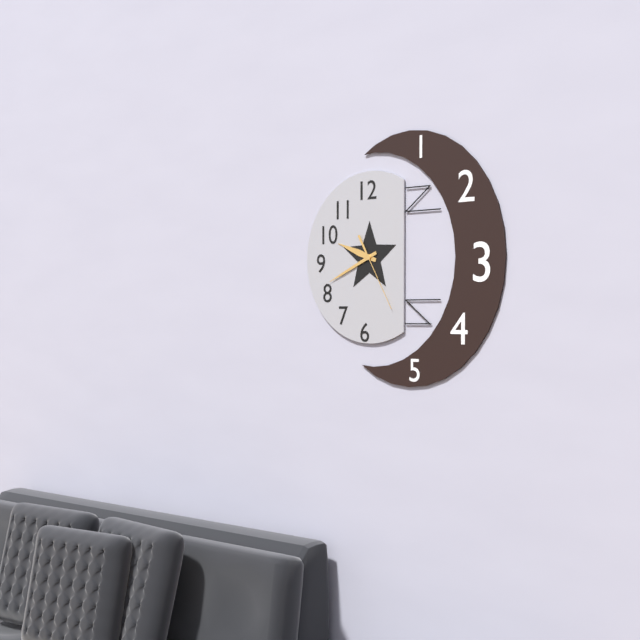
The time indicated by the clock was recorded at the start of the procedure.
9:41:25
